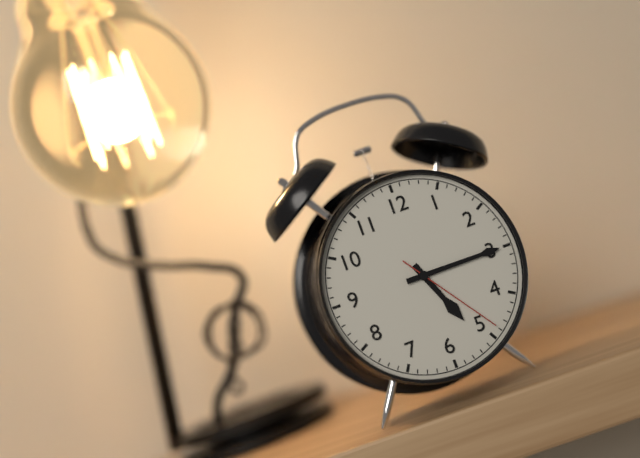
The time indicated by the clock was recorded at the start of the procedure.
5:15:24
